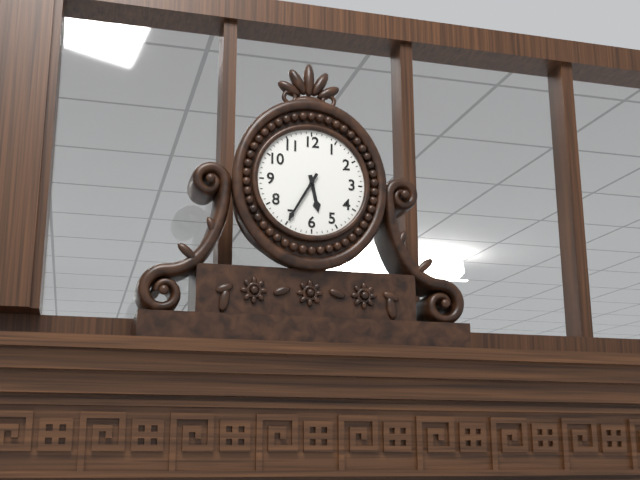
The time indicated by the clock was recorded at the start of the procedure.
5:35
